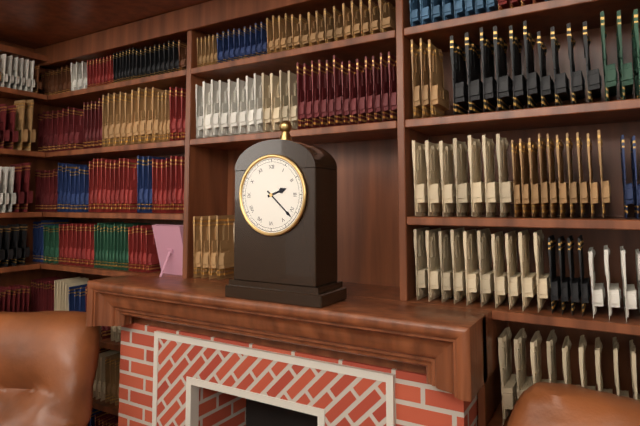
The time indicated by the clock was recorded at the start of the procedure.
2:22
